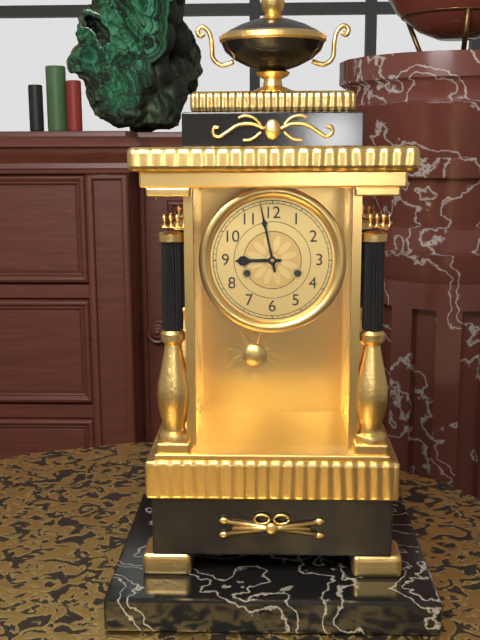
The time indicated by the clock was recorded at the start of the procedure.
8:58
